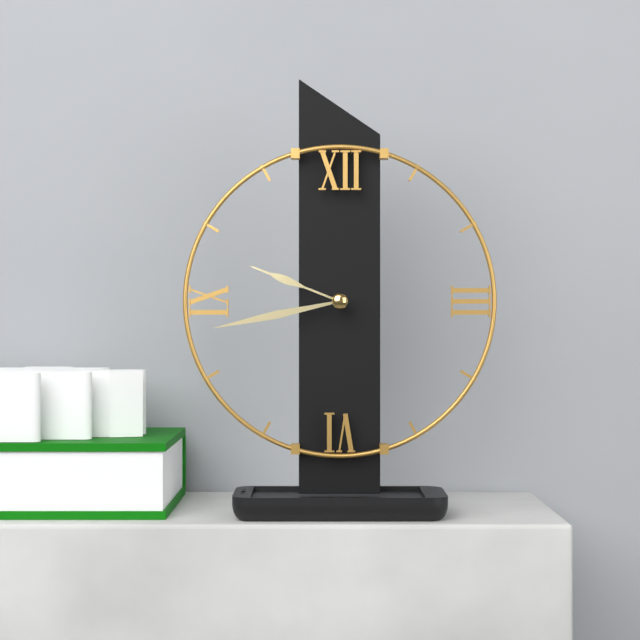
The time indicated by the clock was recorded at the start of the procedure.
9:43
